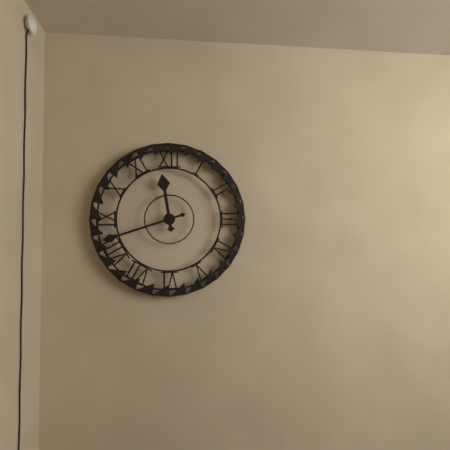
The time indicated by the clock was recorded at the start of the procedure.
11:42
